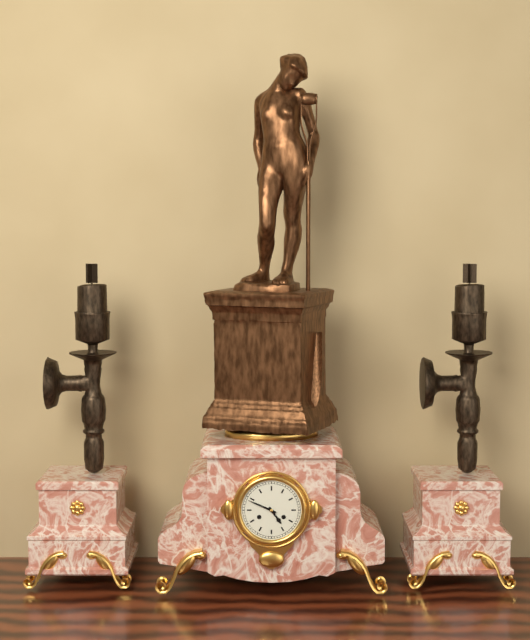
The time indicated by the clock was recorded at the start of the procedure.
4:49
